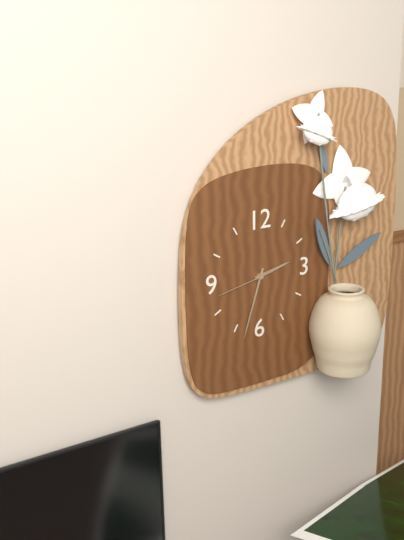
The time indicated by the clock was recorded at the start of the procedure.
2:33:43
